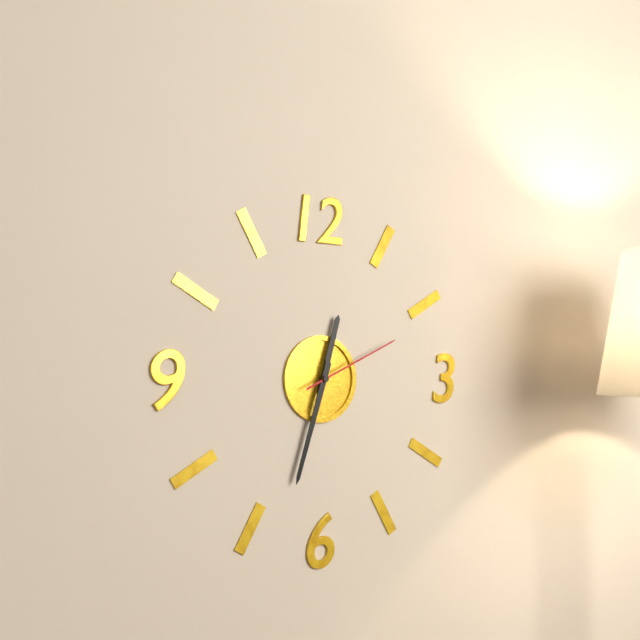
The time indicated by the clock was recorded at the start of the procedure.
12:33:11
